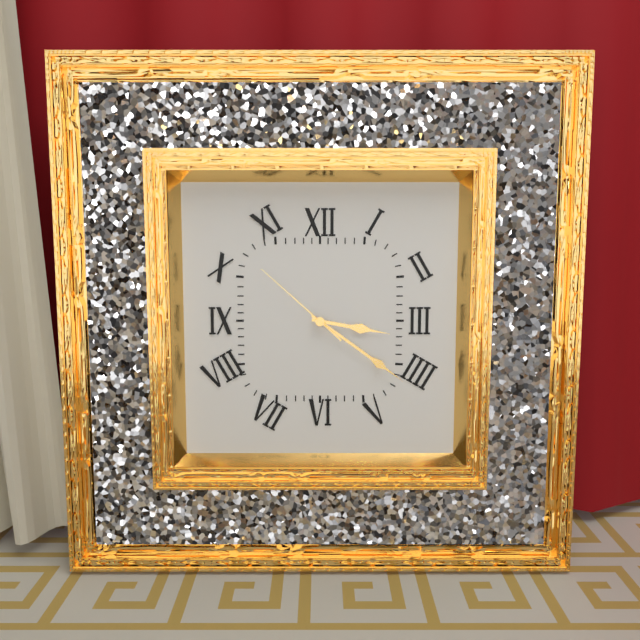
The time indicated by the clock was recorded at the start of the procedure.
3:21:52
